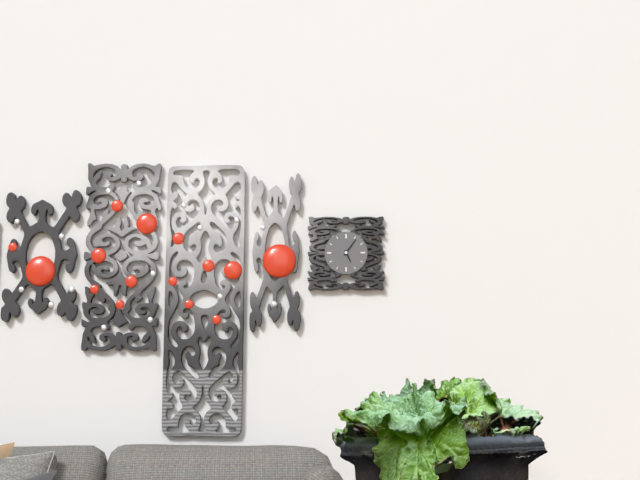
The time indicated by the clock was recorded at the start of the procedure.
5:06
